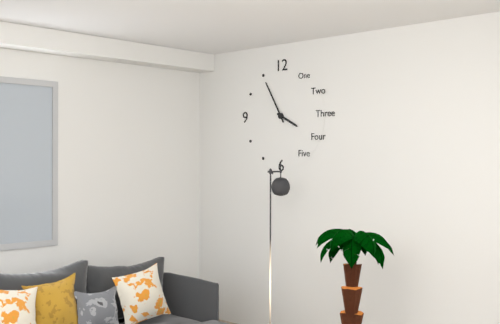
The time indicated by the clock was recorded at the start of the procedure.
3:55
